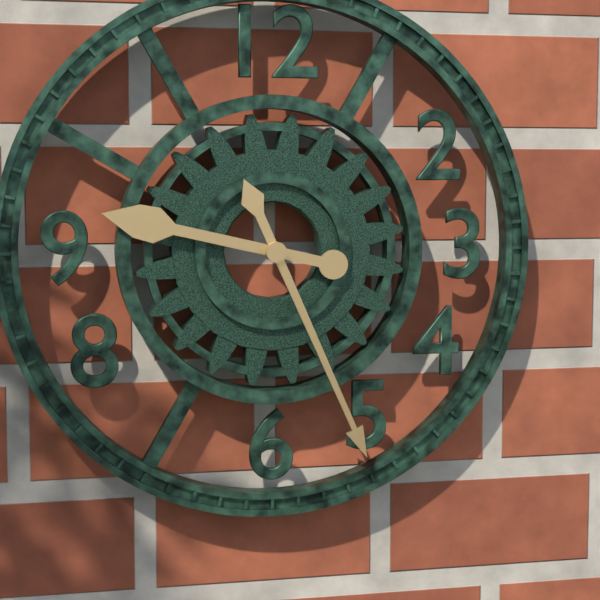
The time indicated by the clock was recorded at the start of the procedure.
9:26
